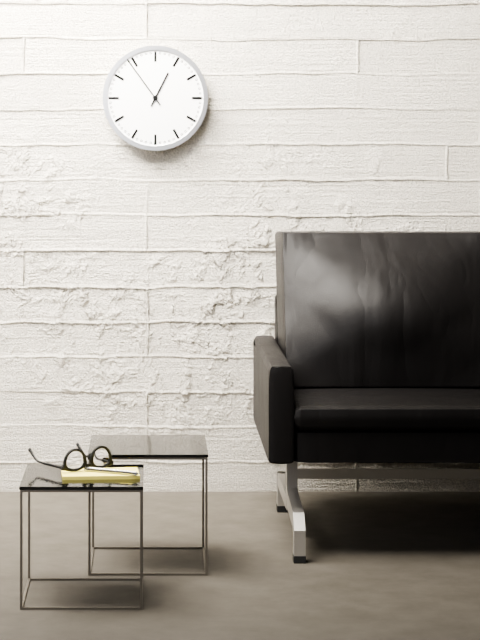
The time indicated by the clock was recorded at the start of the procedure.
12:54
